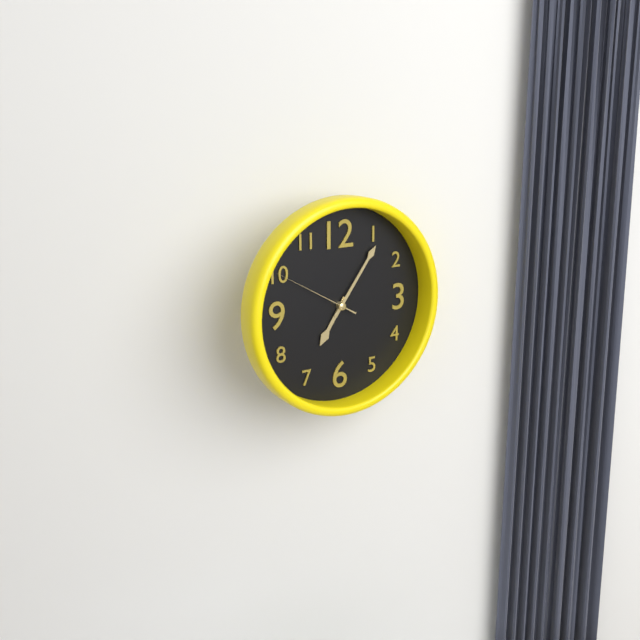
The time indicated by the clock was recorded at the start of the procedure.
7:06:50
